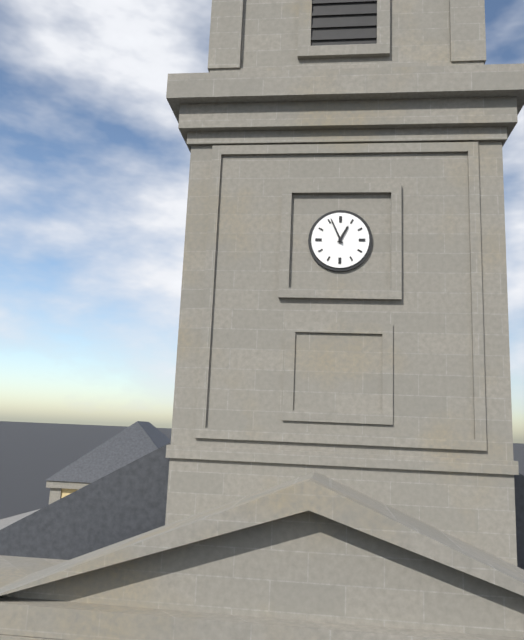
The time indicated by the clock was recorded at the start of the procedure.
12:56
